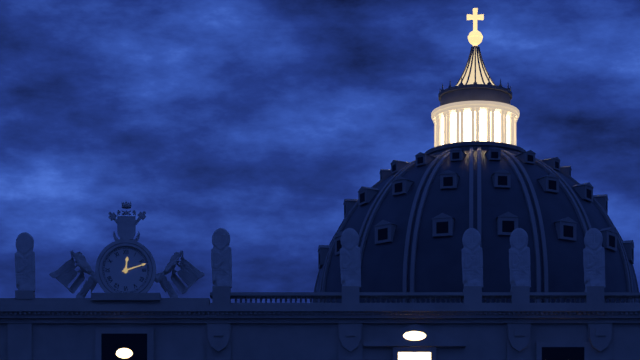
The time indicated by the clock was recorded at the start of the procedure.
12:12
